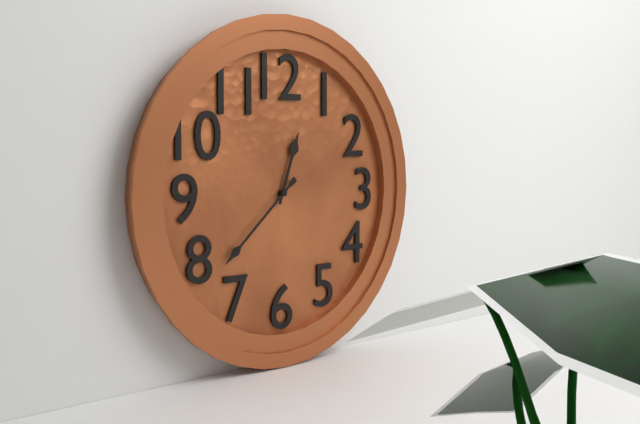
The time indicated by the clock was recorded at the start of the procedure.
12:38
